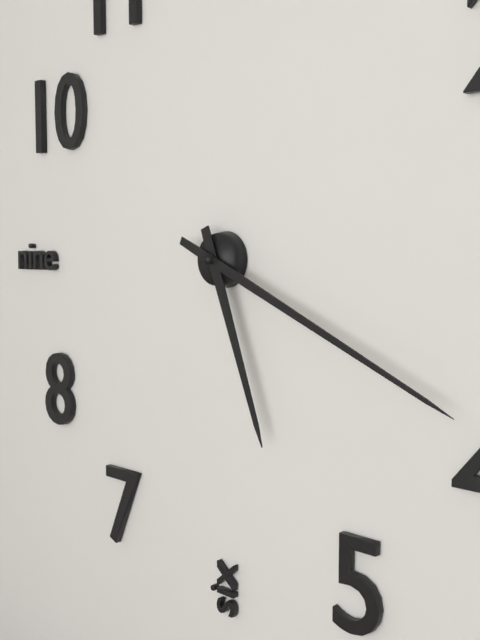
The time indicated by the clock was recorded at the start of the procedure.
5:19
